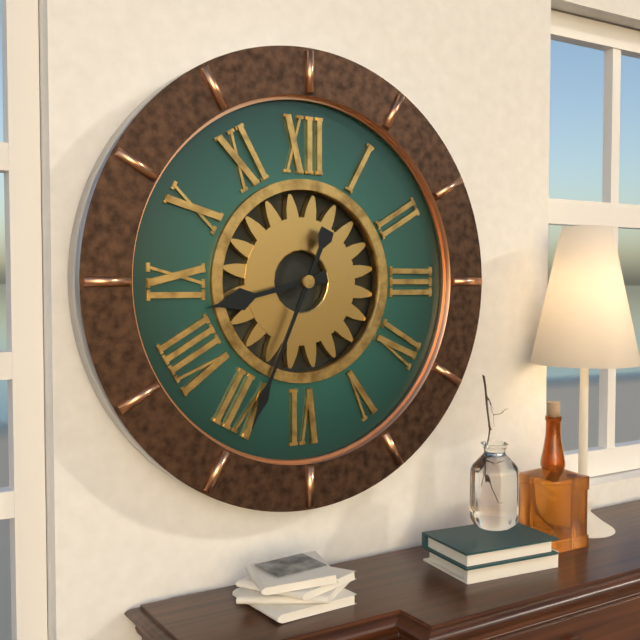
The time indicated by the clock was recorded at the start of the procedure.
8:34
